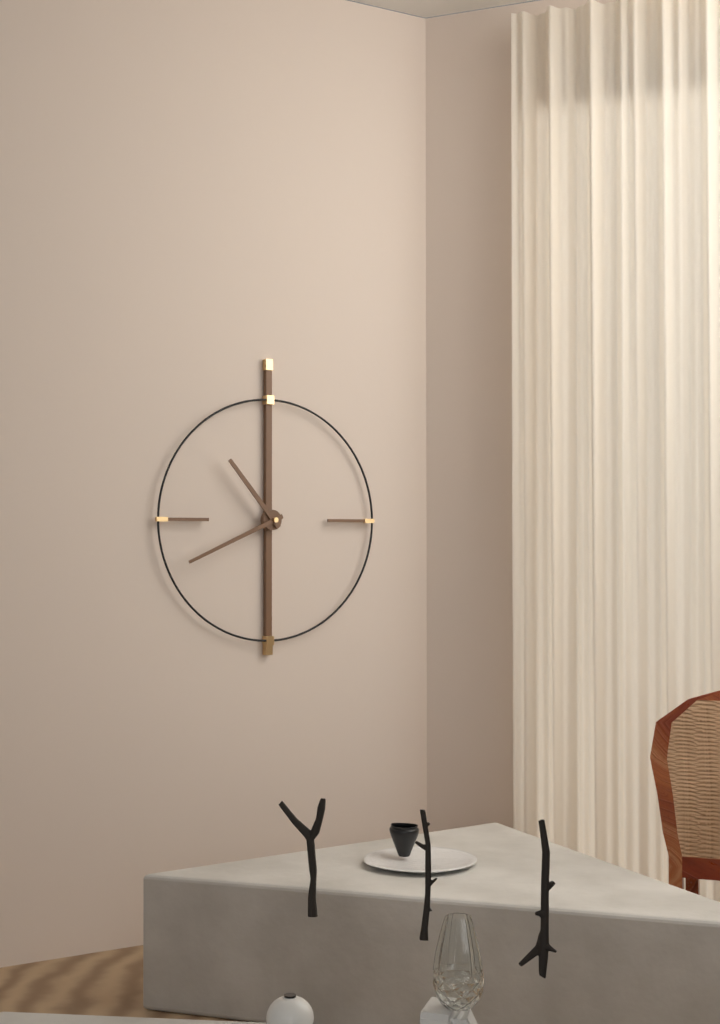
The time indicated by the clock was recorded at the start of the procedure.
10:41
